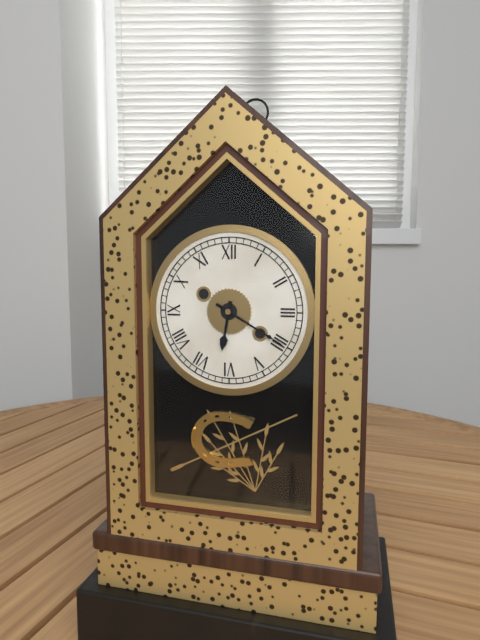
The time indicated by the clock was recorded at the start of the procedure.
6:20
